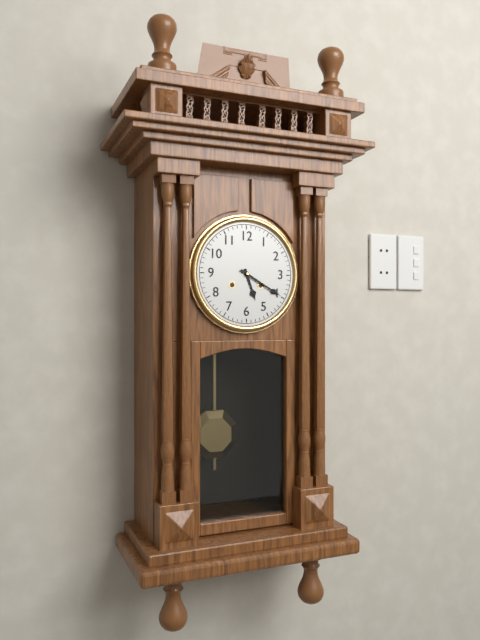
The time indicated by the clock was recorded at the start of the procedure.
5:20
